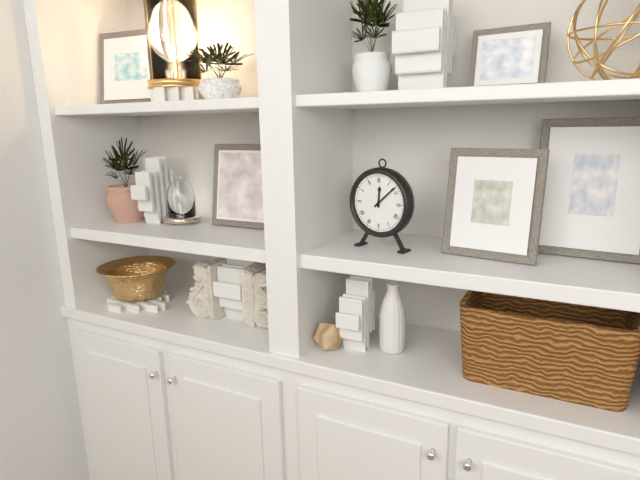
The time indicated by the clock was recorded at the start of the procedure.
12:08
